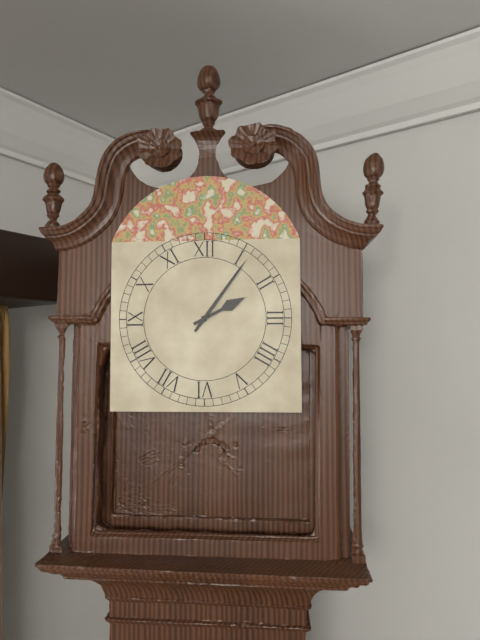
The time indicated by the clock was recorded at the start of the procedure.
2:06
